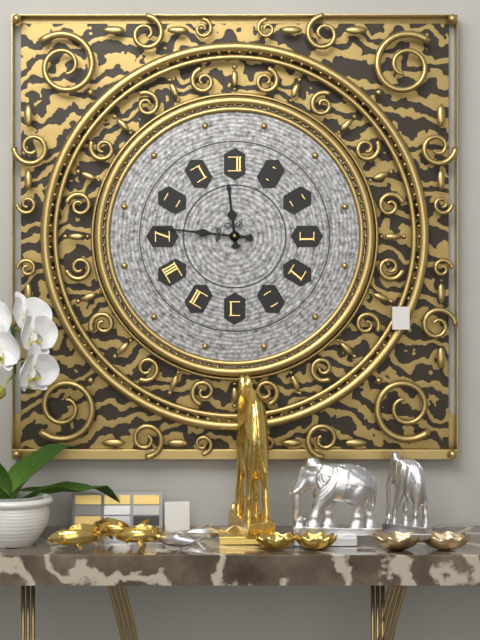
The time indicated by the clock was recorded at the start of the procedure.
11:46
